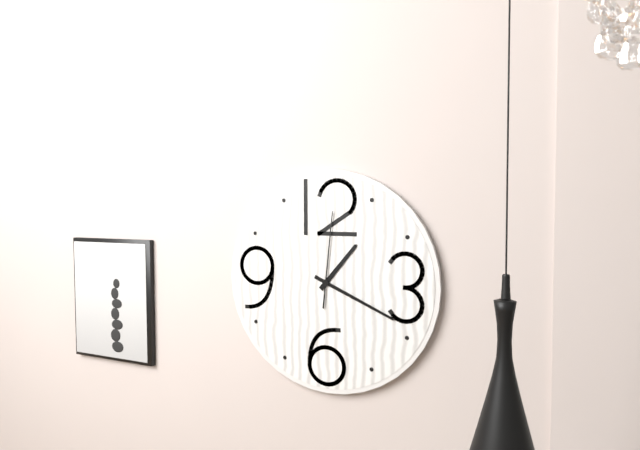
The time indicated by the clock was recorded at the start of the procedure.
1:19:01
